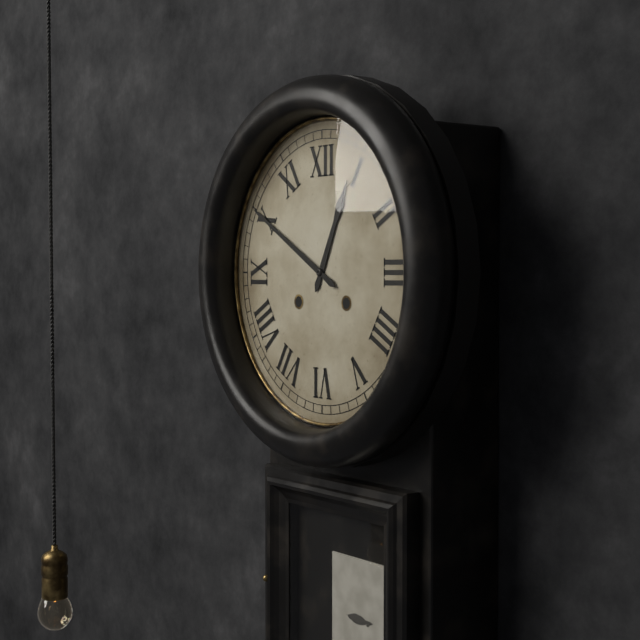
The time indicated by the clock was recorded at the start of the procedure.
12:50
